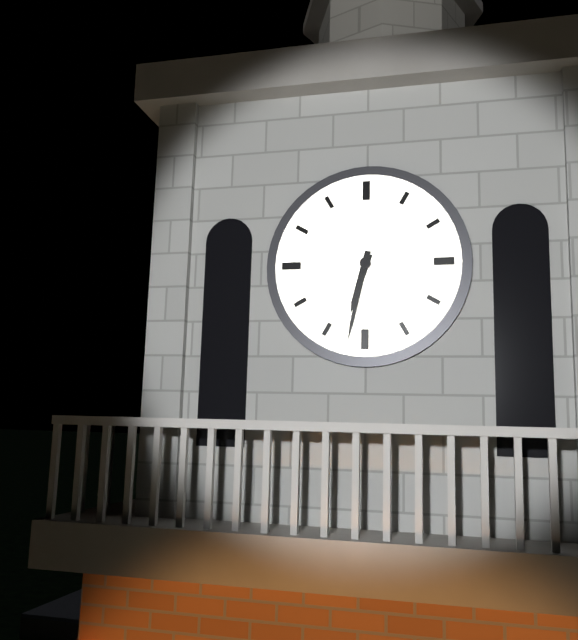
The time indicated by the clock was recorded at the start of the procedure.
6:32
